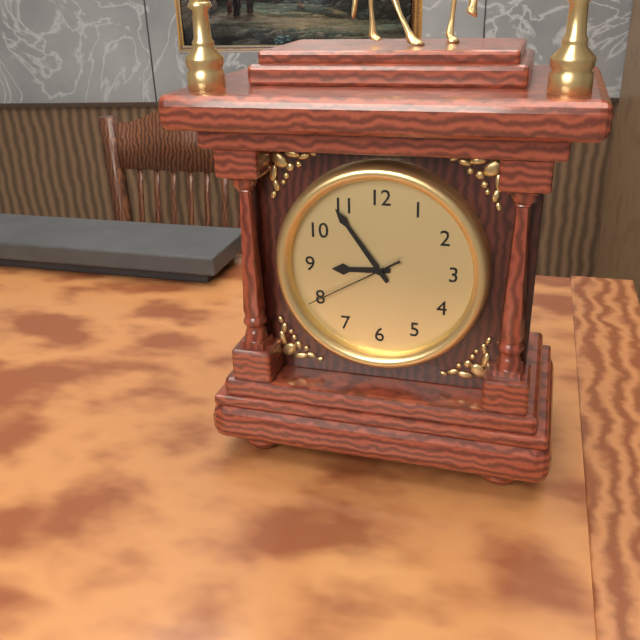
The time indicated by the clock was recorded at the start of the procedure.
8:54:40
